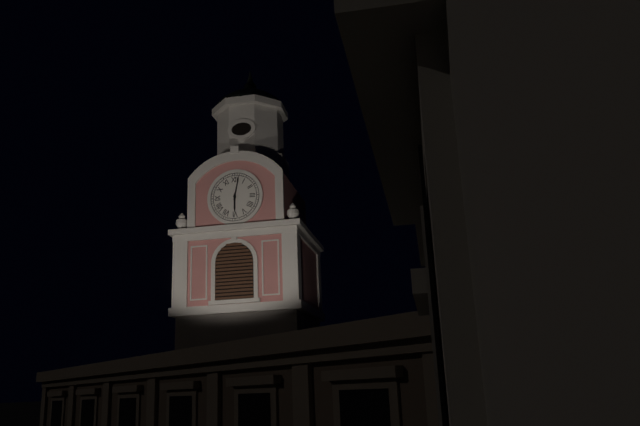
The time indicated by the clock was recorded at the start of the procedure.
6:02
